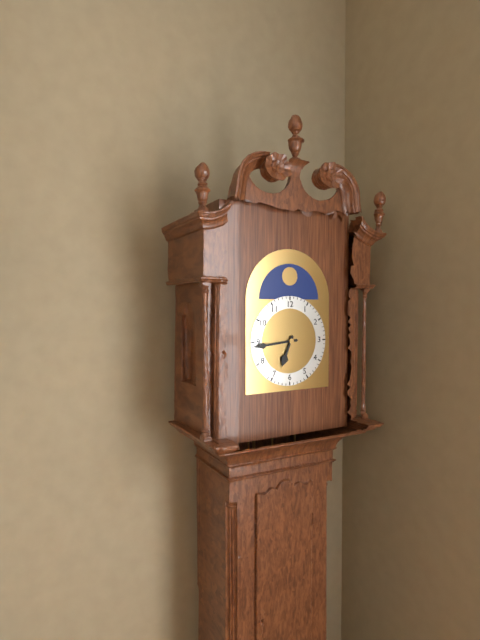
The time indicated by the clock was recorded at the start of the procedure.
6:44
